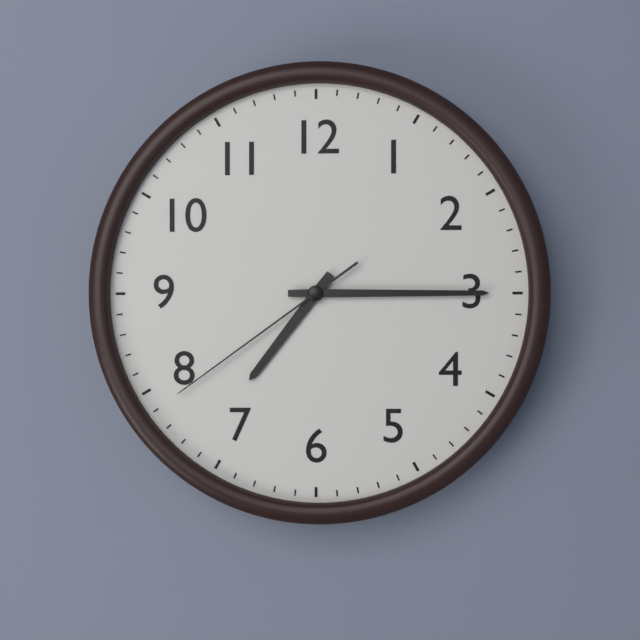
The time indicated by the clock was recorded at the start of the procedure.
7:15:39
